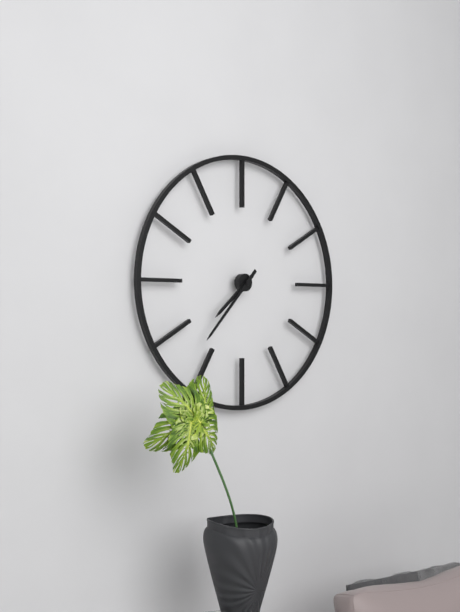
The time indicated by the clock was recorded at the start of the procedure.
7:37
